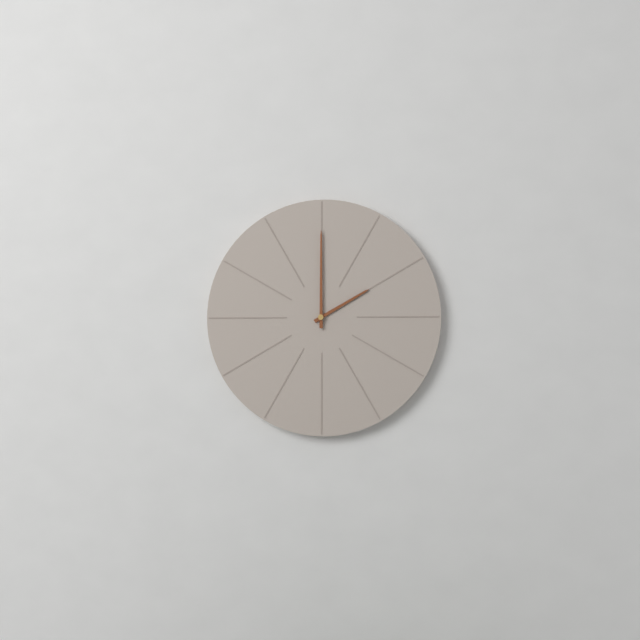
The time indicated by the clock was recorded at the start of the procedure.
2:00
